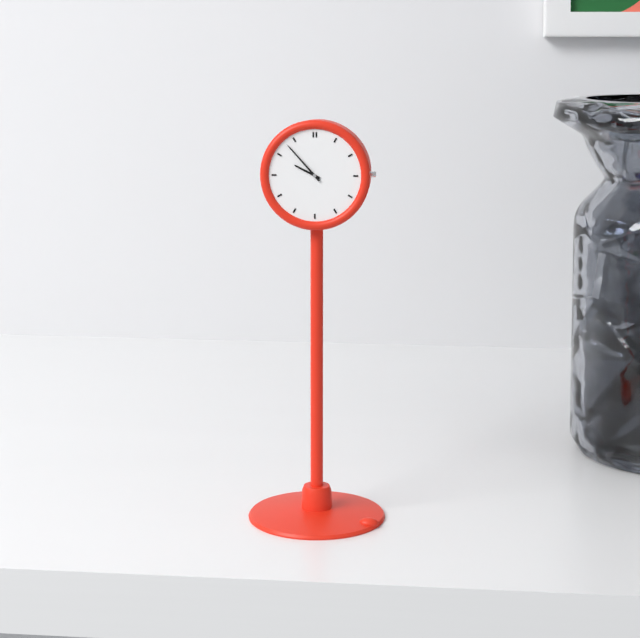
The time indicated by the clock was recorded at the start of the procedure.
9:53
